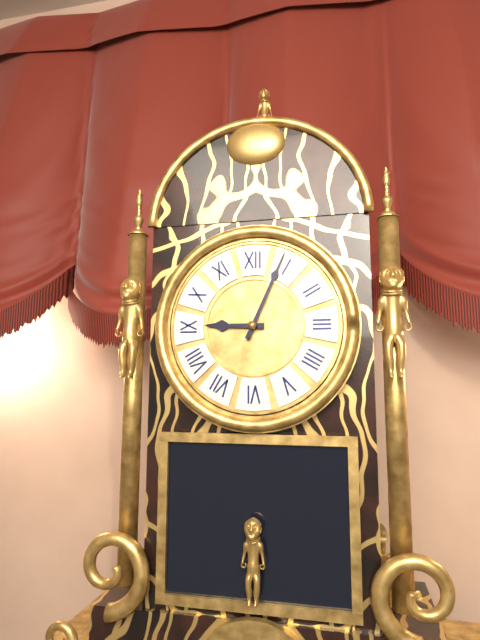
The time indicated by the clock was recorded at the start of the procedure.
9:04
